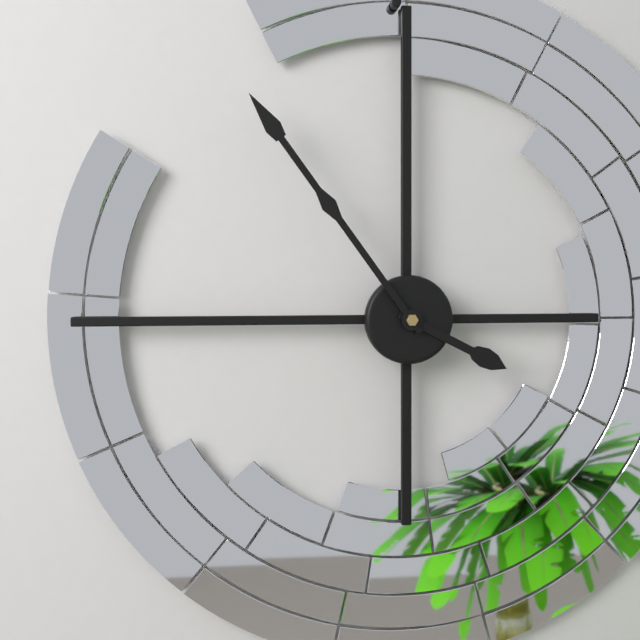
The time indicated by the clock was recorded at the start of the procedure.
3:54
